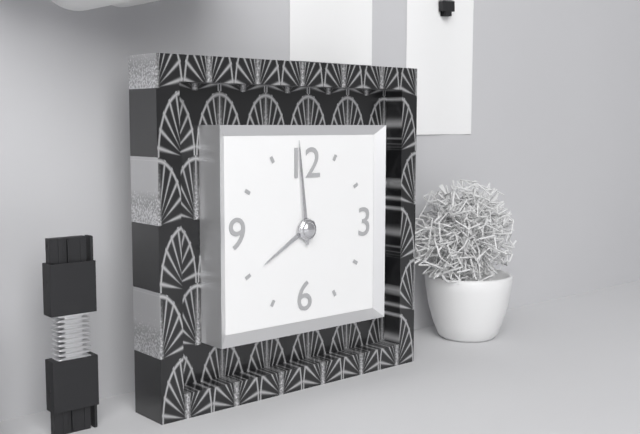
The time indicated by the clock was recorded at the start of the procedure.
7:59
